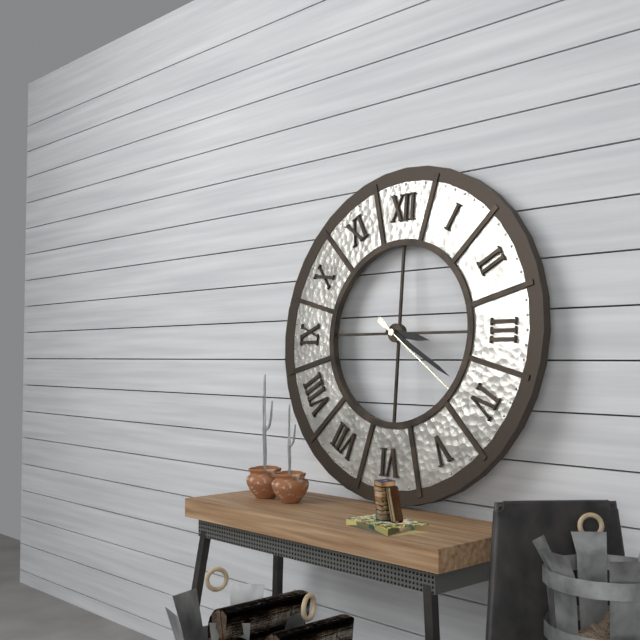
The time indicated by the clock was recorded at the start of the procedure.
3:20:21
